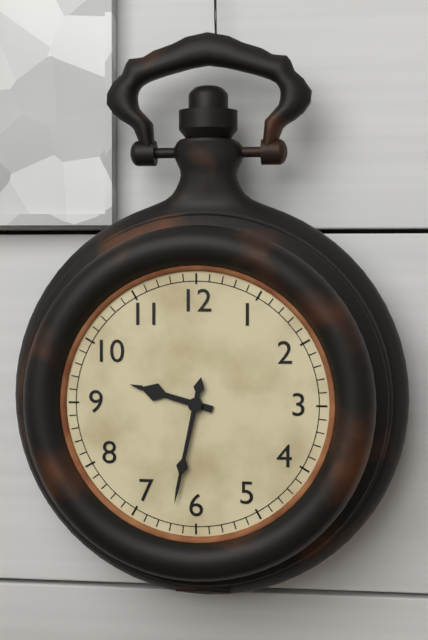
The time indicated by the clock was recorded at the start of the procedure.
9:32
